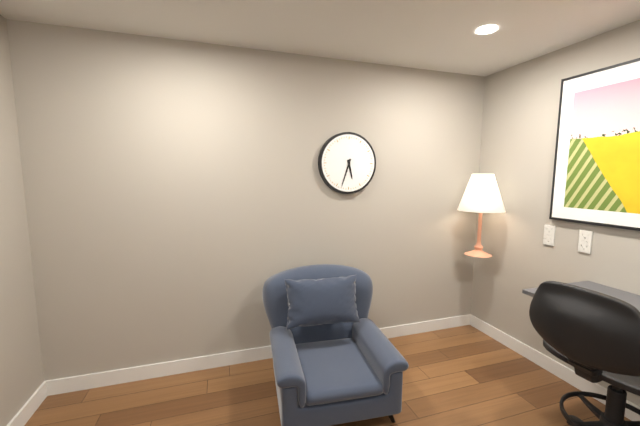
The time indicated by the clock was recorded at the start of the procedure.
5:33
